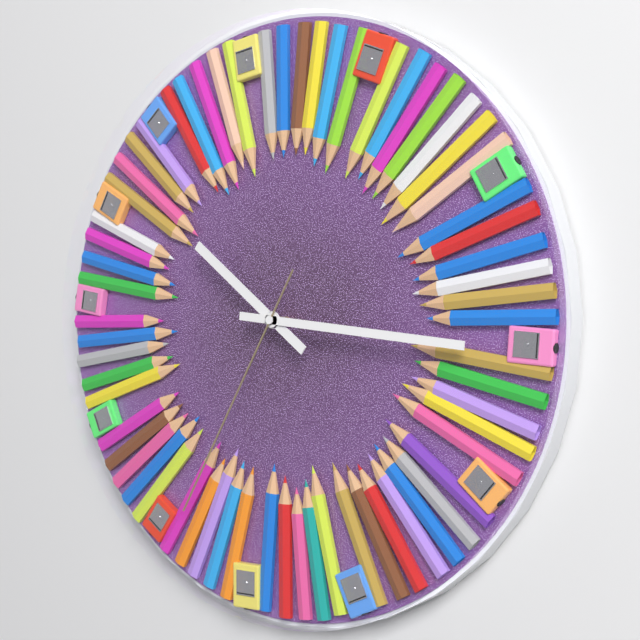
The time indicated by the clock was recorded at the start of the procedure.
10:16:35
